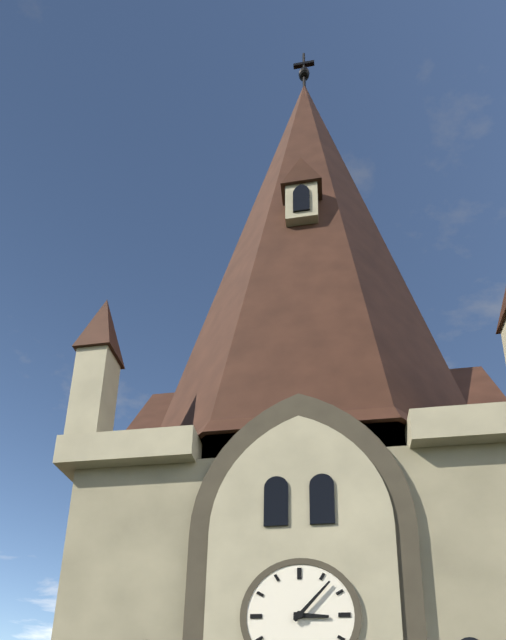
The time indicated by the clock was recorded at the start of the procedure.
3:07
